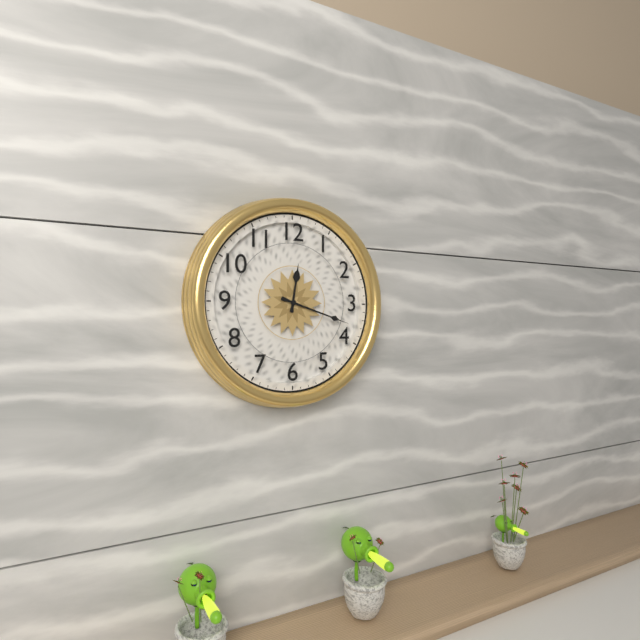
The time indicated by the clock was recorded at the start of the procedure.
12:18
